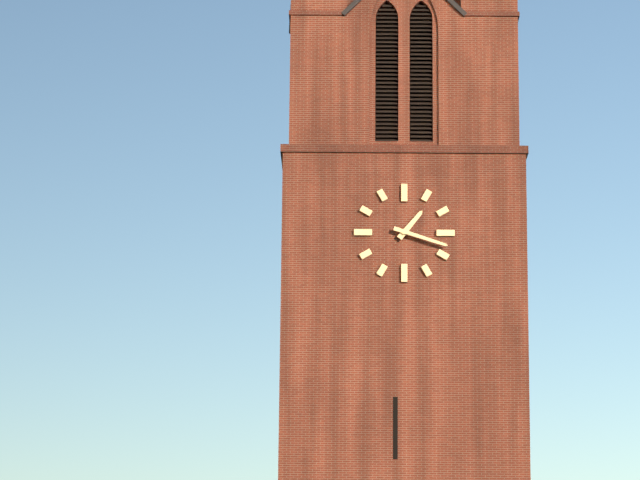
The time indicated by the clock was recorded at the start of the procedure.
1:18
